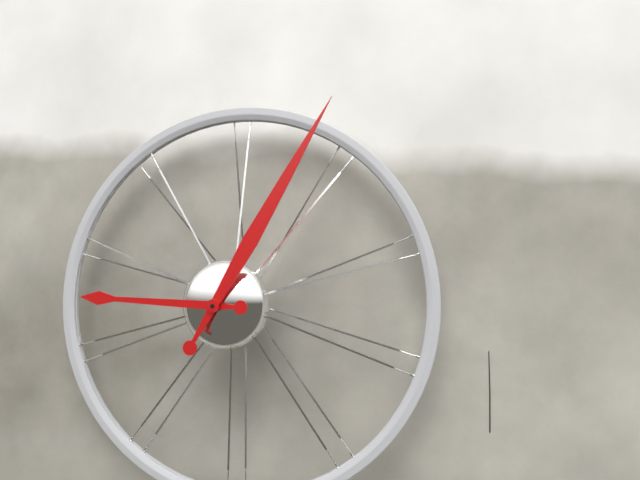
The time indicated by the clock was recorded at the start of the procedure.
9:05
